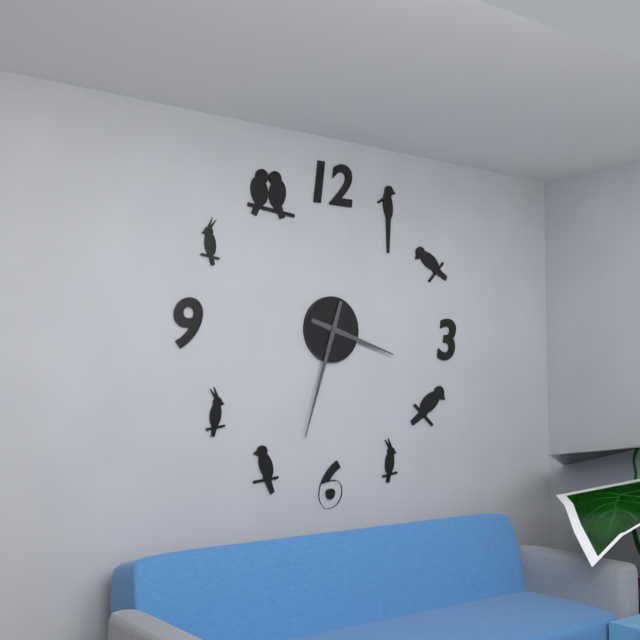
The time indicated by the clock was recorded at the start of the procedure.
3:33
